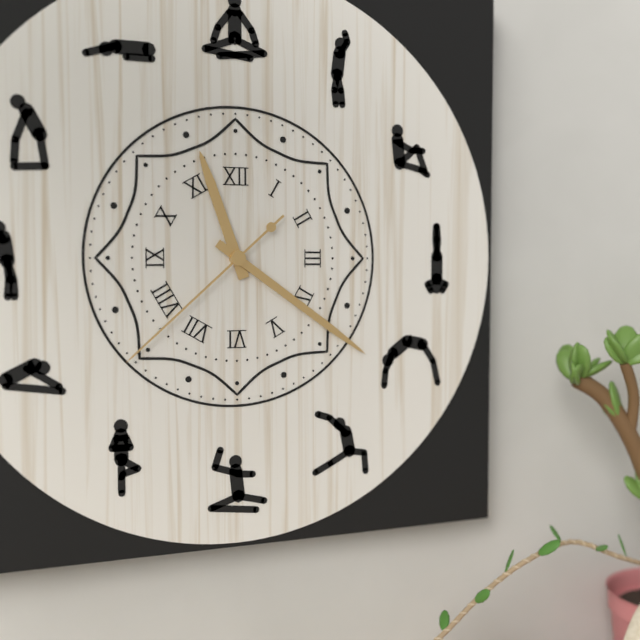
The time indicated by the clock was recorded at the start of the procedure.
11:21:38
